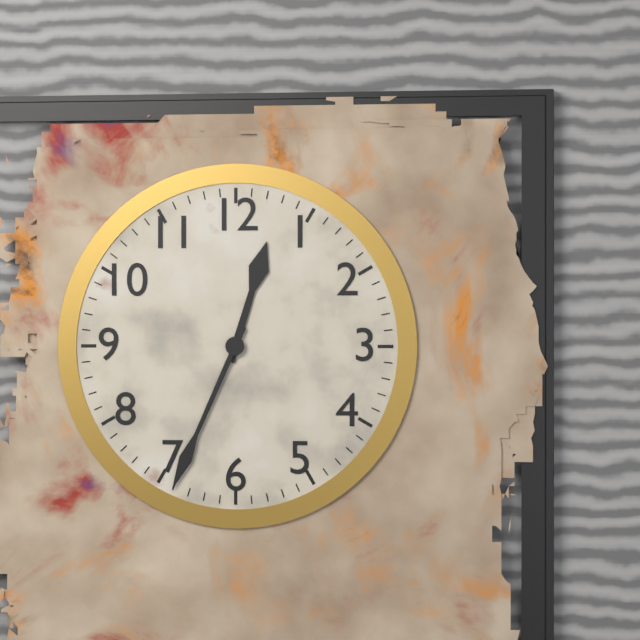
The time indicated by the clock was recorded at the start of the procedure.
12:34
